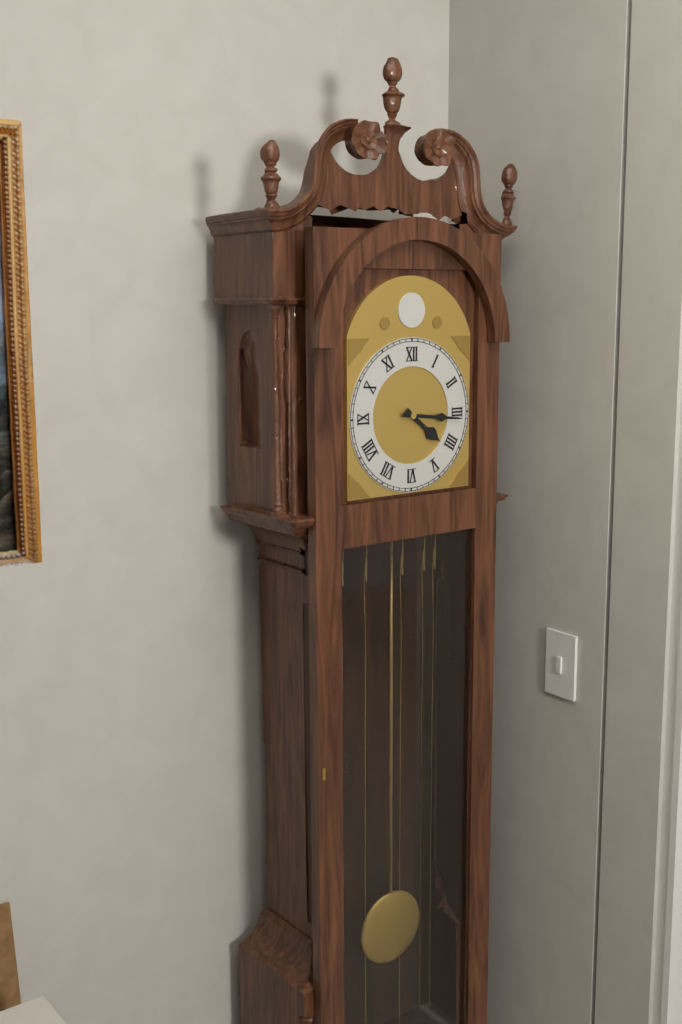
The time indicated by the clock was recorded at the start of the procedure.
4:16
